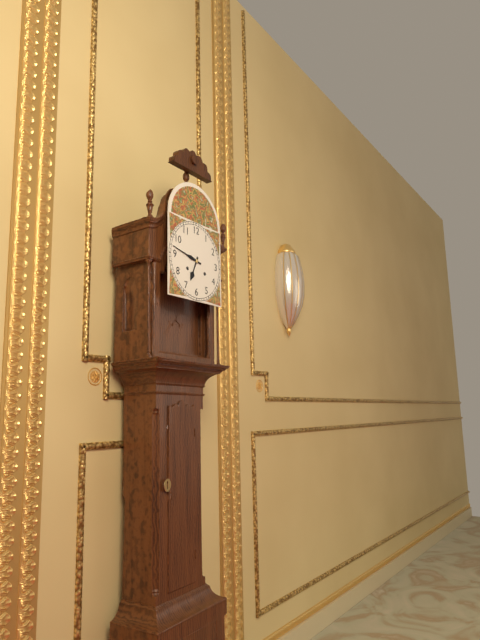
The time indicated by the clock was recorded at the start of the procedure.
6:47
